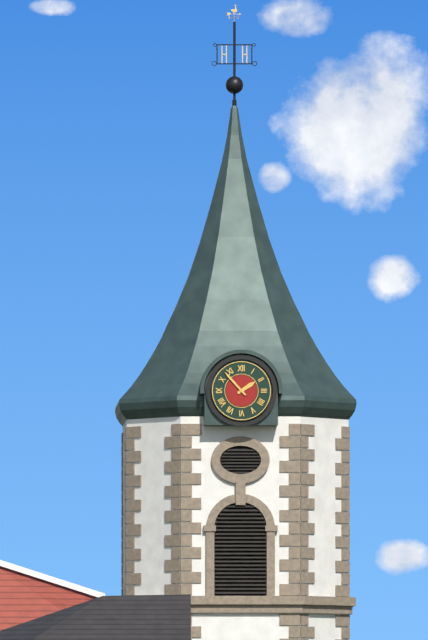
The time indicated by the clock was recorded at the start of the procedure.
1:53
